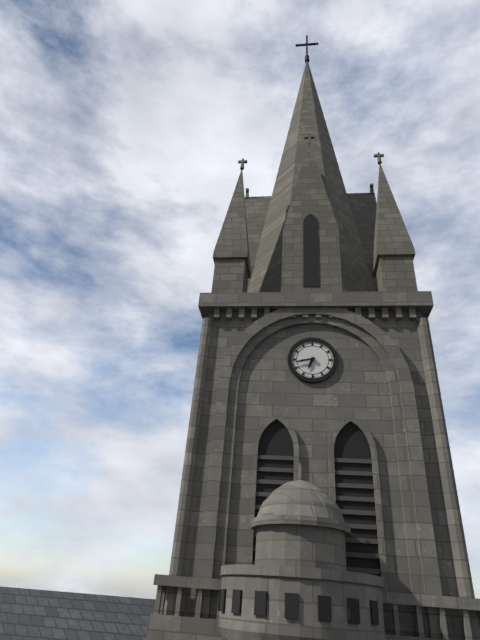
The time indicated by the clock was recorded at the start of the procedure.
6:43
